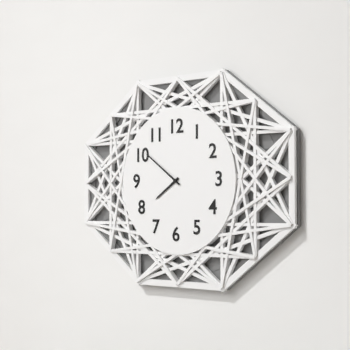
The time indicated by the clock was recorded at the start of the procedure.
7:51
